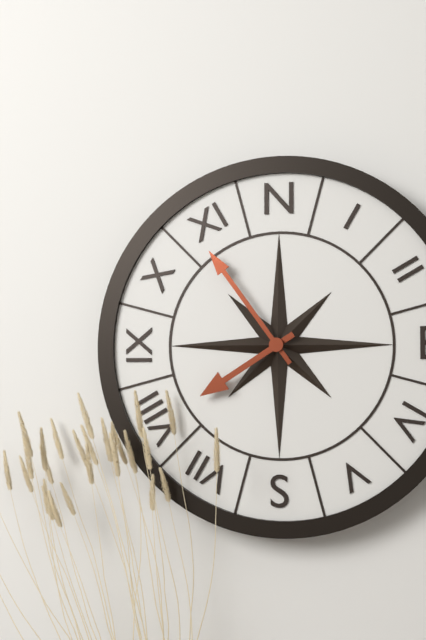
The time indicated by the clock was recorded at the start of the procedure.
7:54
